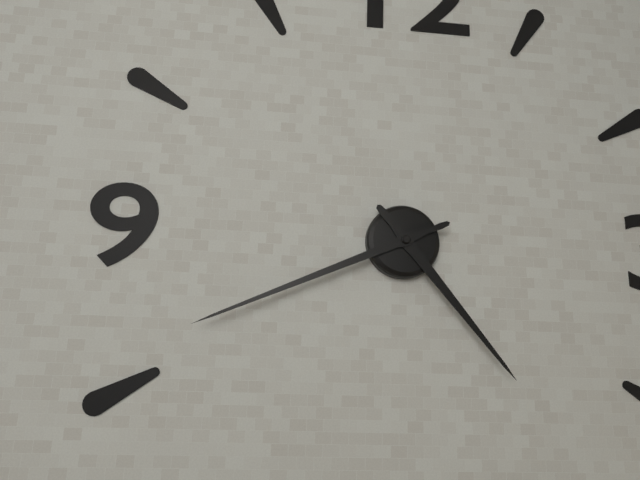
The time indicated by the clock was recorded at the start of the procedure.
4:41
